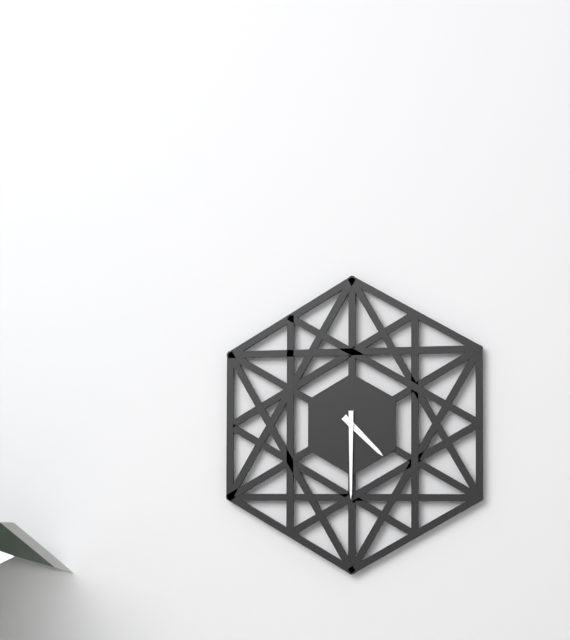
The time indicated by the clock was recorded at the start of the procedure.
4:30
